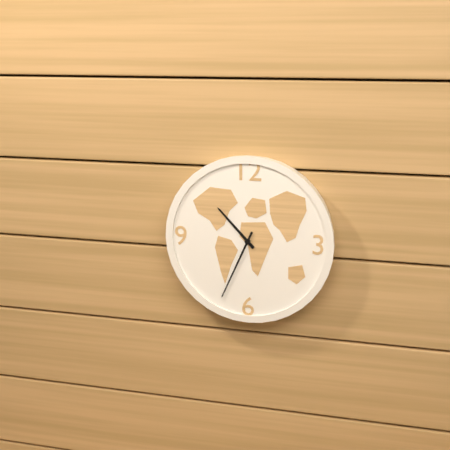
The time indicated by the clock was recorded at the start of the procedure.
10:34
